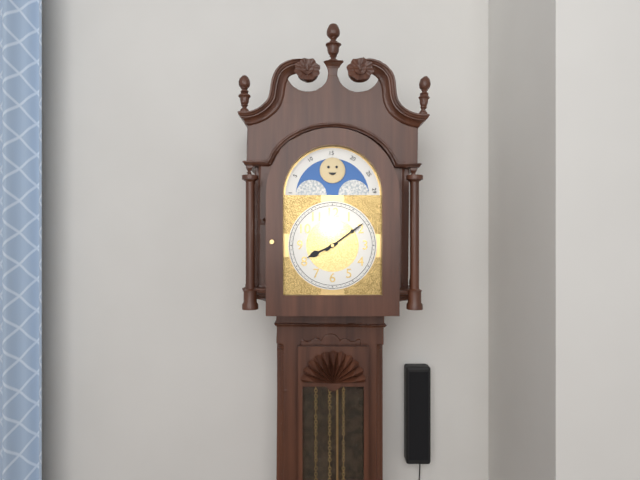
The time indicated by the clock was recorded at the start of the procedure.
8:09
